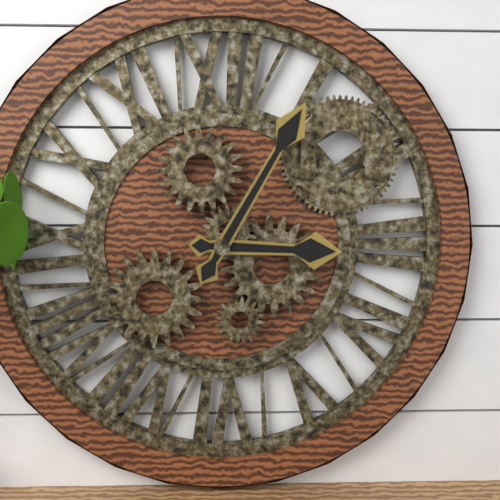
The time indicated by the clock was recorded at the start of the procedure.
3:05
